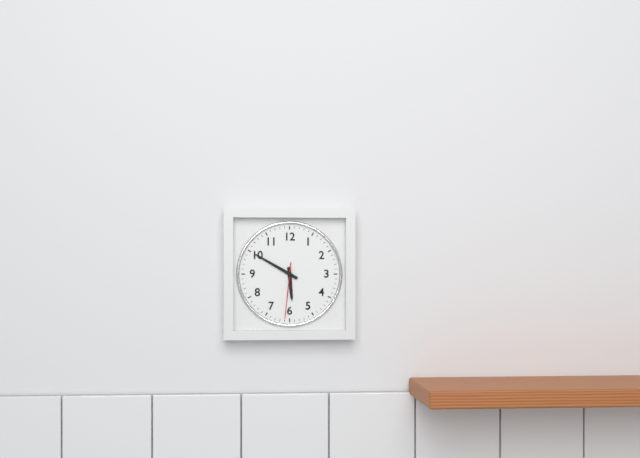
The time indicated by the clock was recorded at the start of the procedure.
5:50:31
